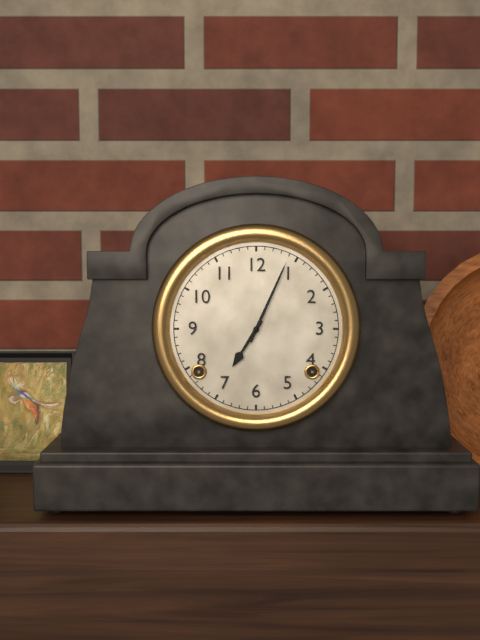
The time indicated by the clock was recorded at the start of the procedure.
7:04
